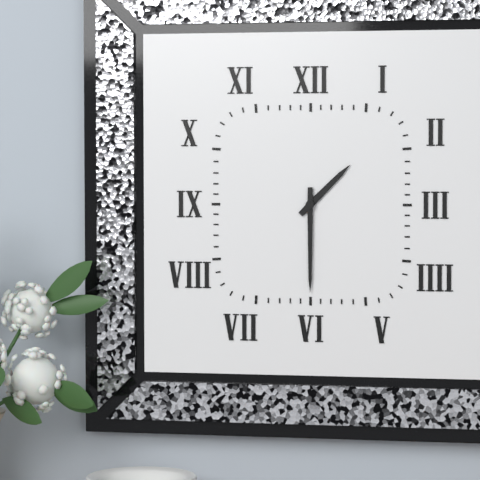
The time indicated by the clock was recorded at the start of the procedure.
1:30
